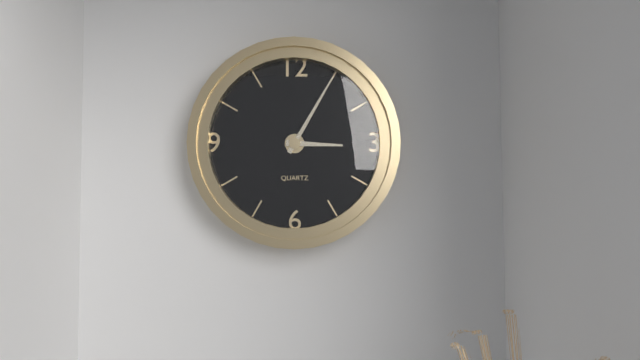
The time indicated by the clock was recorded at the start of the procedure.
3:05
